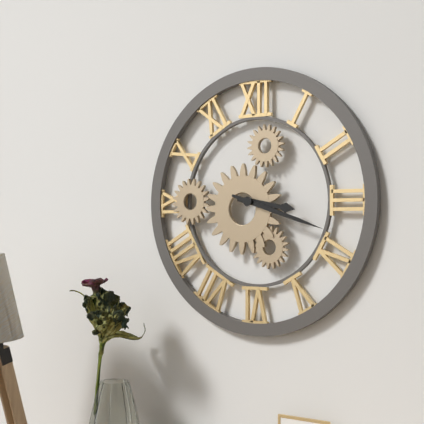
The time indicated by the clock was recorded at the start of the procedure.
3:18
